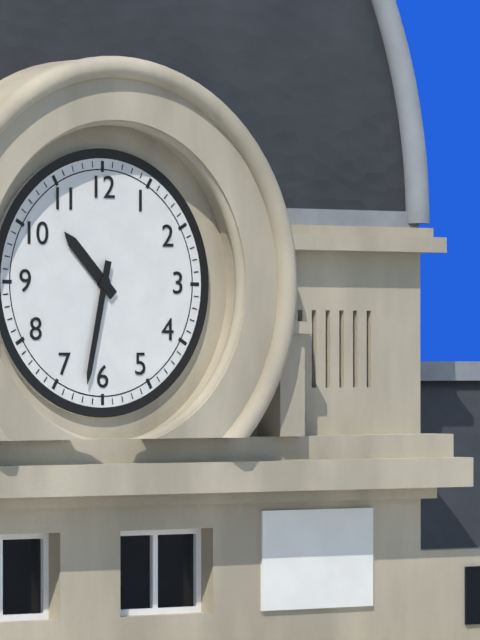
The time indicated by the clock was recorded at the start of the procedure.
10:32
